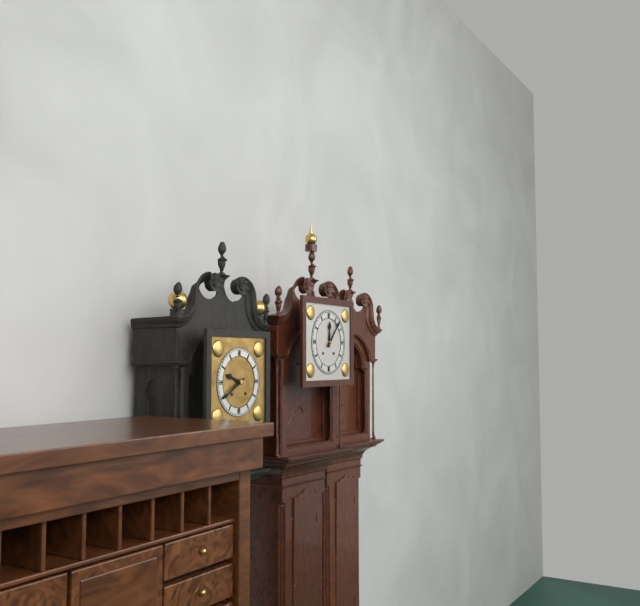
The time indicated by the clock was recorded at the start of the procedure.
12:07
